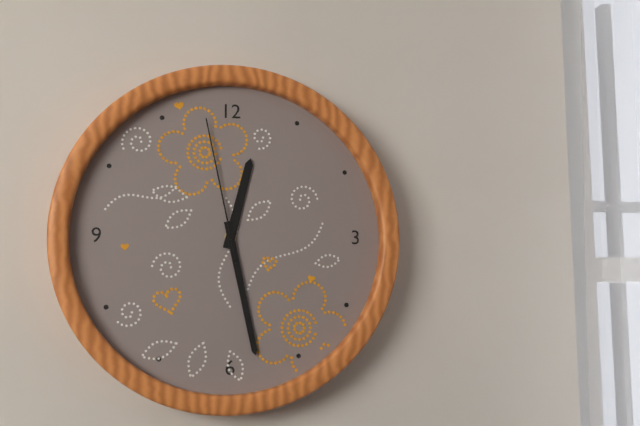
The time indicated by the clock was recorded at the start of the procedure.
12:28:58
